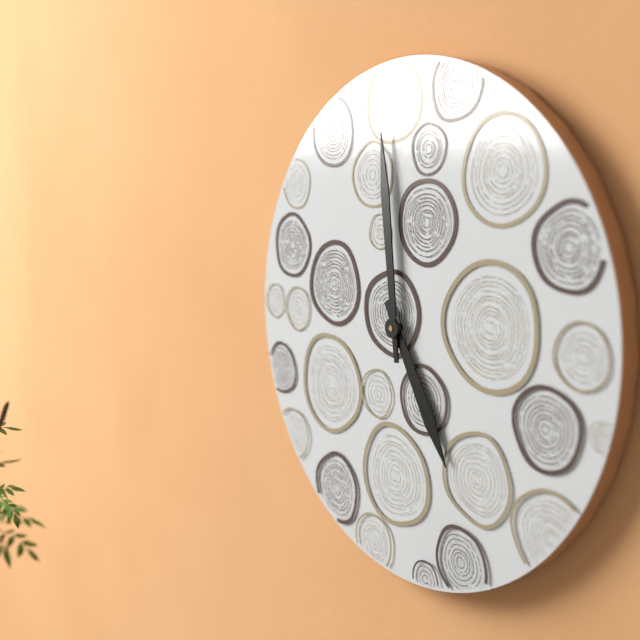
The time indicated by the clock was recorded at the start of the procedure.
4:59
